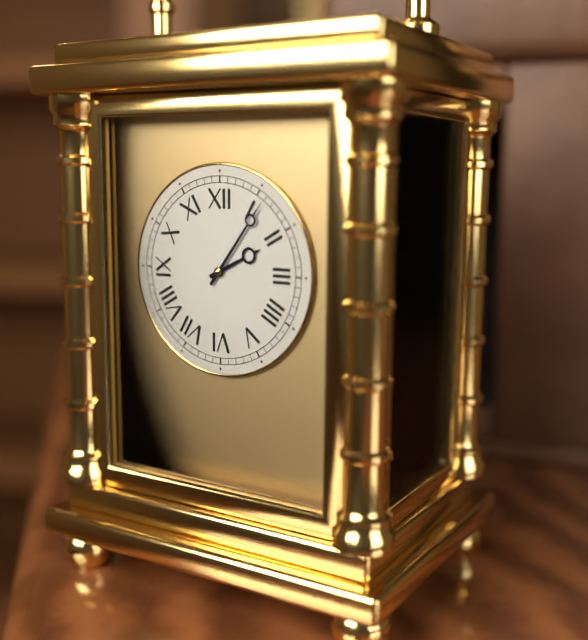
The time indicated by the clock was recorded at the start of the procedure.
2:06
